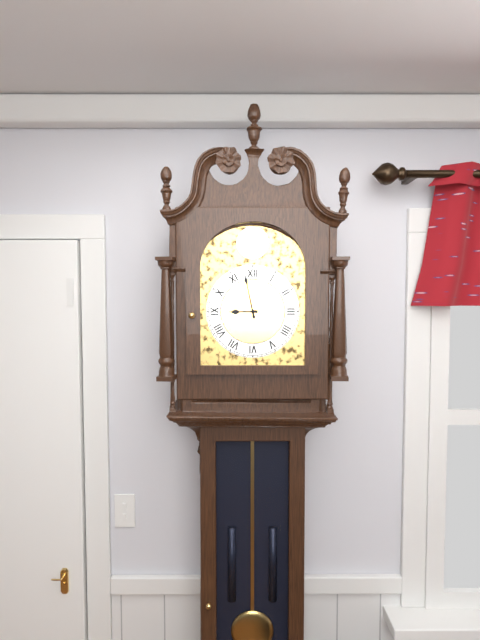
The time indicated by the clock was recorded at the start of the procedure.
8:58
